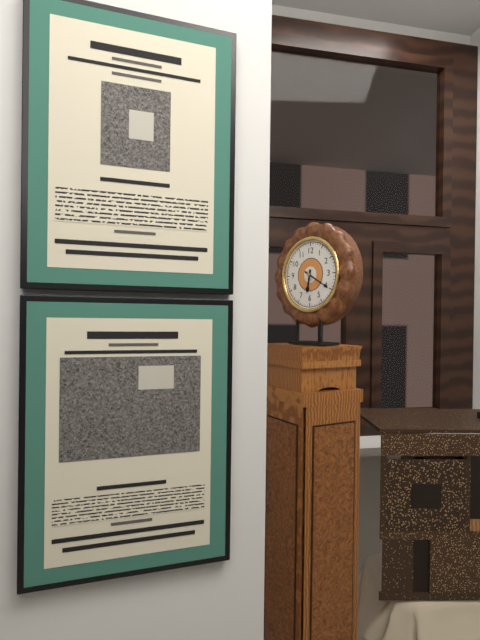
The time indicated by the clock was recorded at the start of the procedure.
6:20
